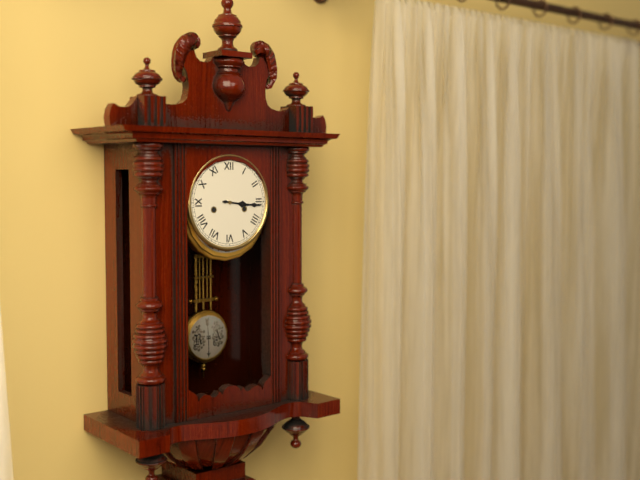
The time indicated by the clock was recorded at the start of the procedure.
3:16
